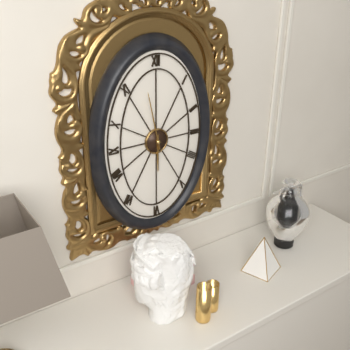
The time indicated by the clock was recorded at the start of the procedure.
5:58
